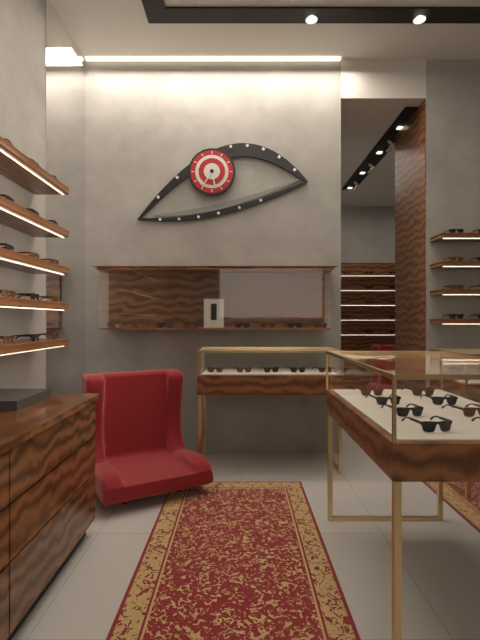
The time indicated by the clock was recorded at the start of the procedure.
5:35
